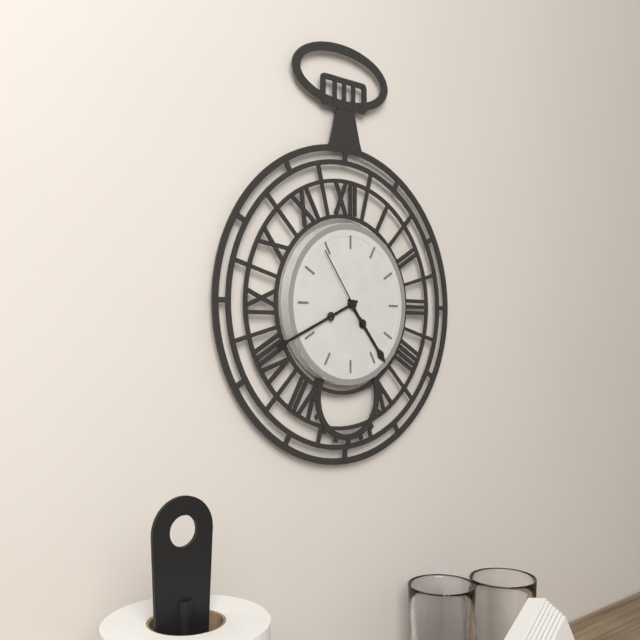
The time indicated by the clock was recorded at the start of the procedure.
4:41:54
